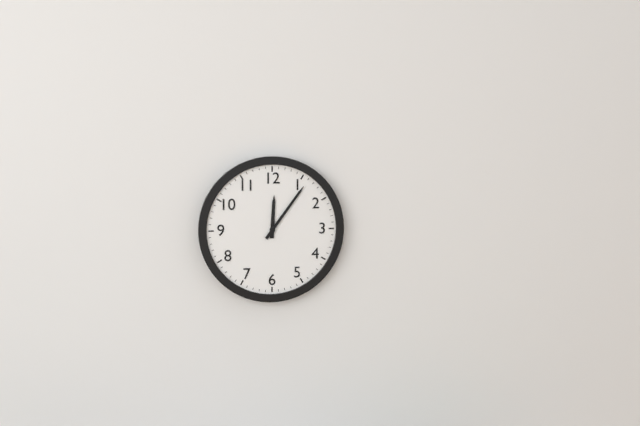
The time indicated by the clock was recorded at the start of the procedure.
12:06
